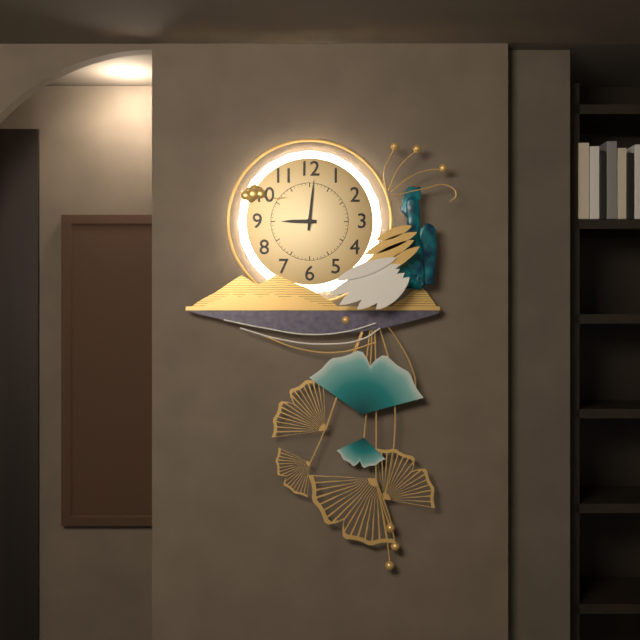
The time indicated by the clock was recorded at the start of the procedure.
9:01
